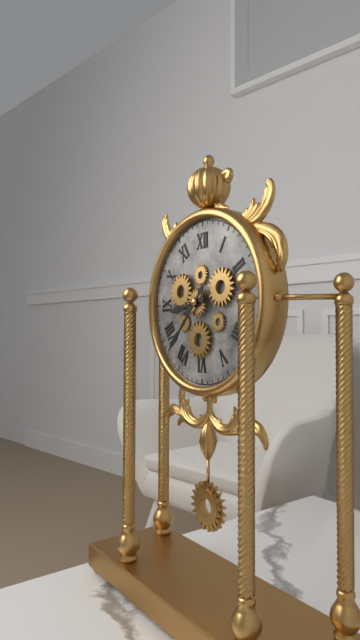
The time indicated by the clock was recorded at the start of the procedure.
8:37
